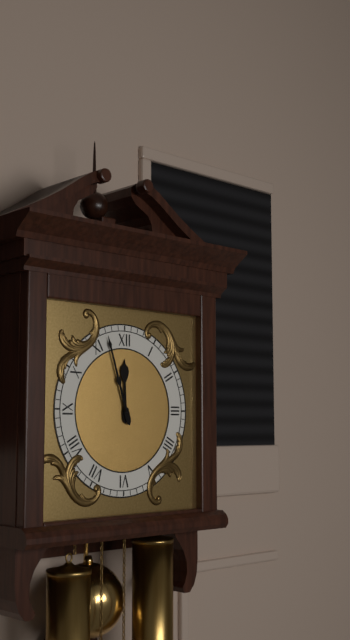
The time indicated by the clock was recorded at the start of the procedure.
11:57
